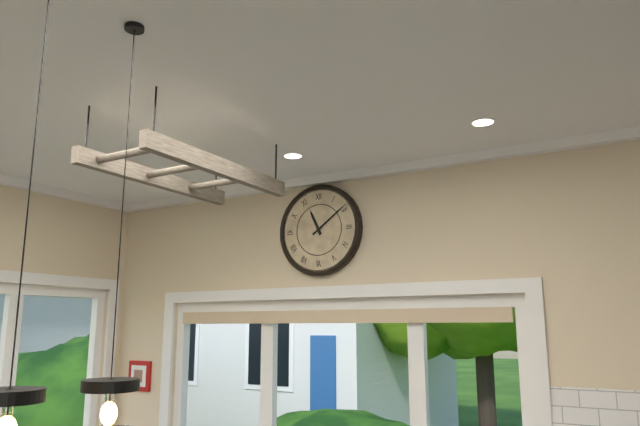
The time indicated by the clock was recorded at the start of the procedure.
11:09
